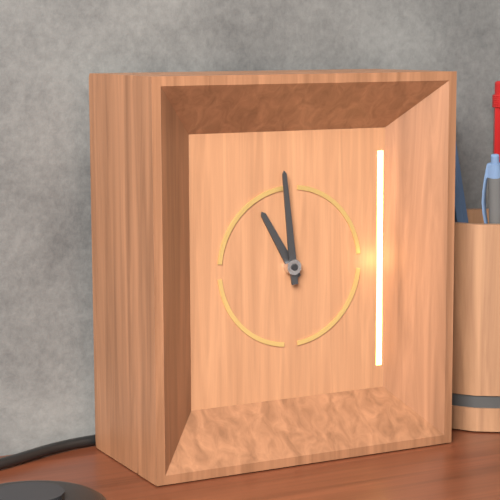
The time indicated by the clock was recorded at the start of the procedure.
10:59
